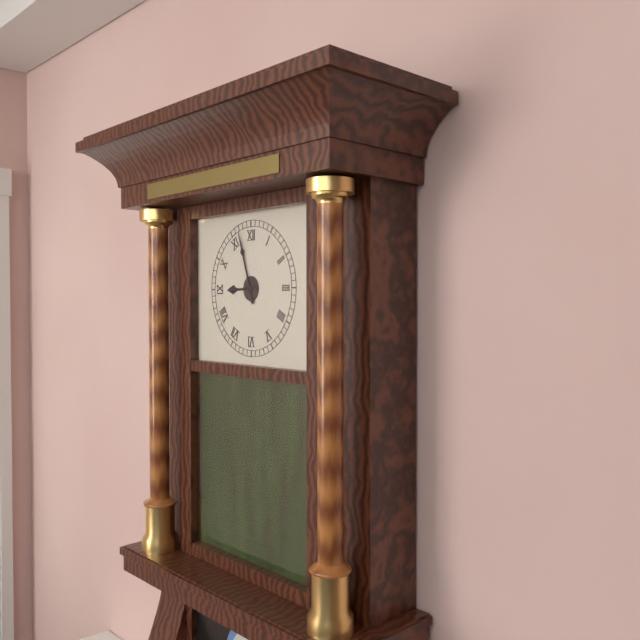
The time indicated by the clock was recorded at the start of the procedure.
8:57
